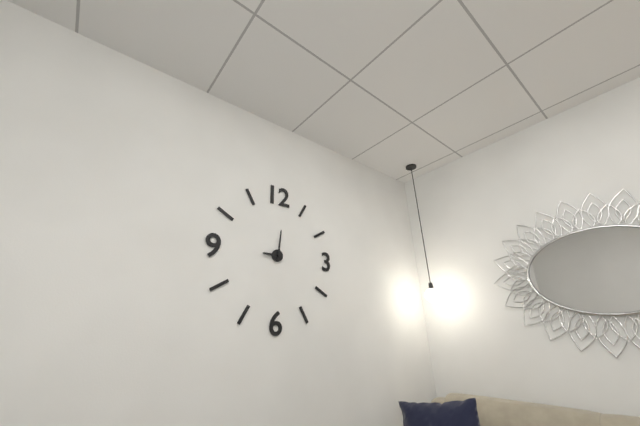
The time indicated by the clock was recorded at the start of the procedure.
9:01
